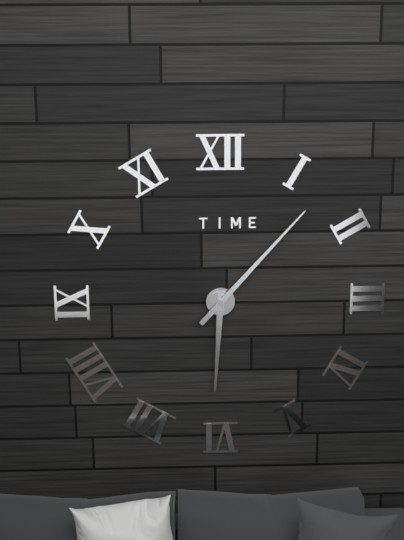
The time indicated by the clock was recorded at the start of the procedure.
6:07
